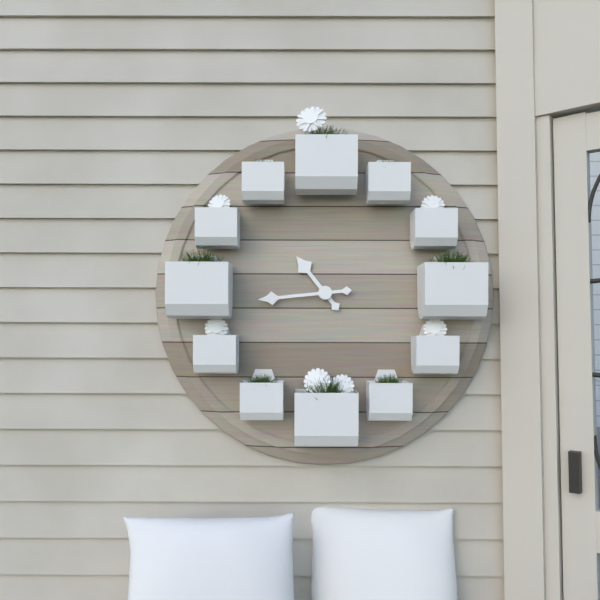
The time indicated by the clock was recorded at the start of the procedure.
10:44
